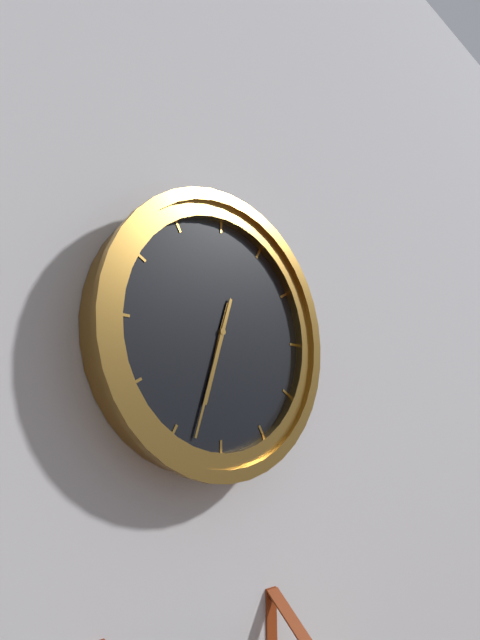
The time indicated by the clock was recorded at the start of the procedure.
6:33
